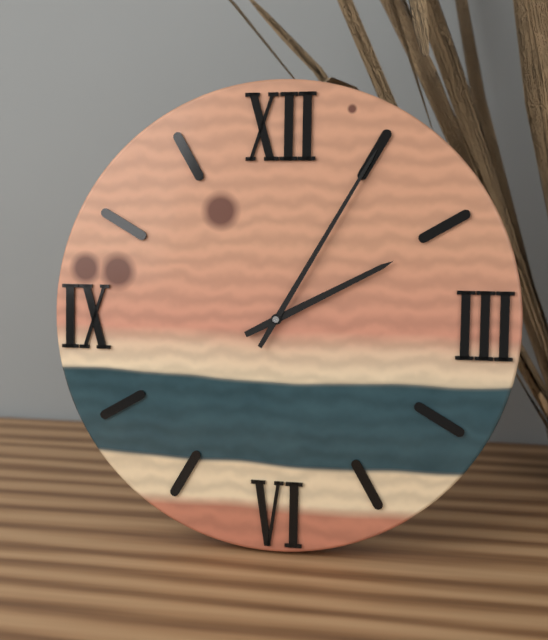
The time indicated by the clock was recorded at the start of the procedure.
2:05
